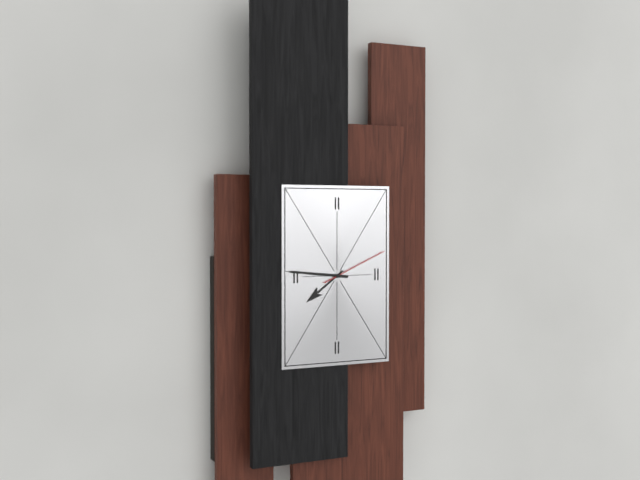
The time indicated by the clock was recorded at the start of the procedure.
7:46:11
